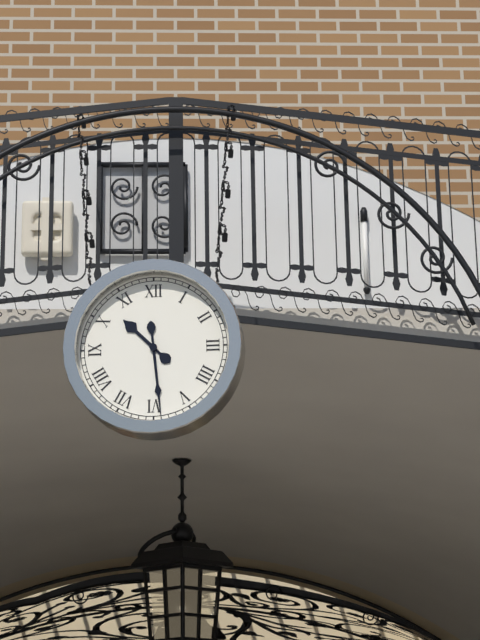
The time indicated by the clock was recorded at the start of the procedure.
10:29
